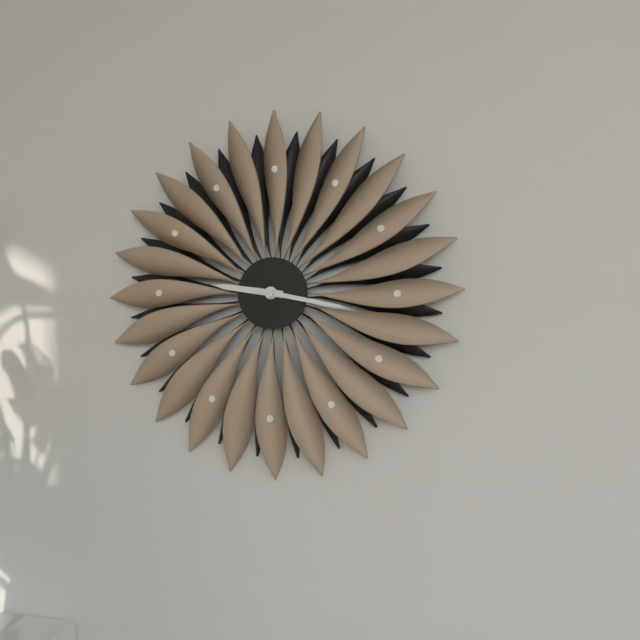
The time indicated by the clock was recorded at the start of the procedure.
9:17
